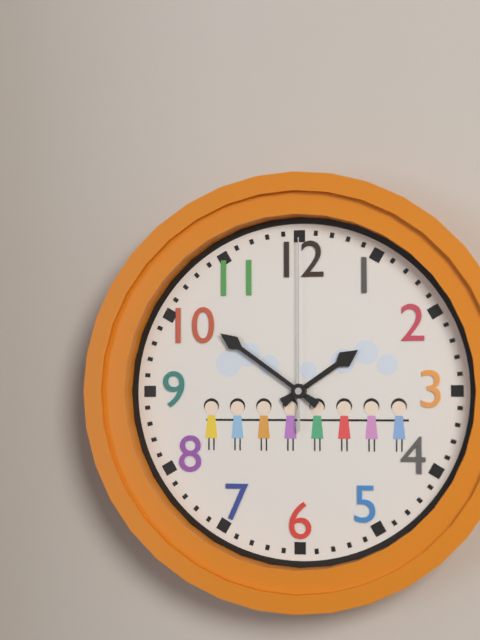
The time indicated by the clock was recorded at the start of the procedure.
1:51:00
